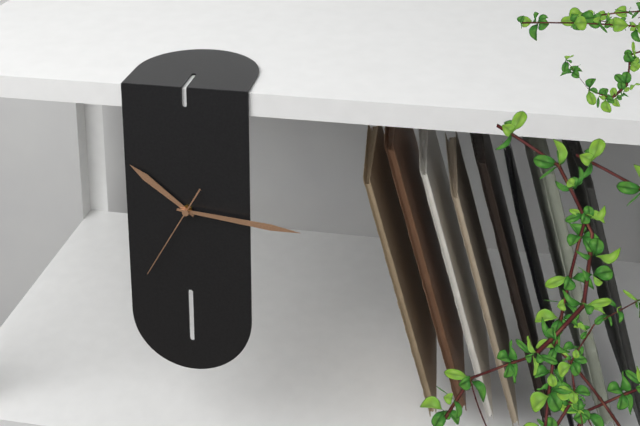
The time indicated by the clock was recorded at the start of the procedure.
10:16:35
